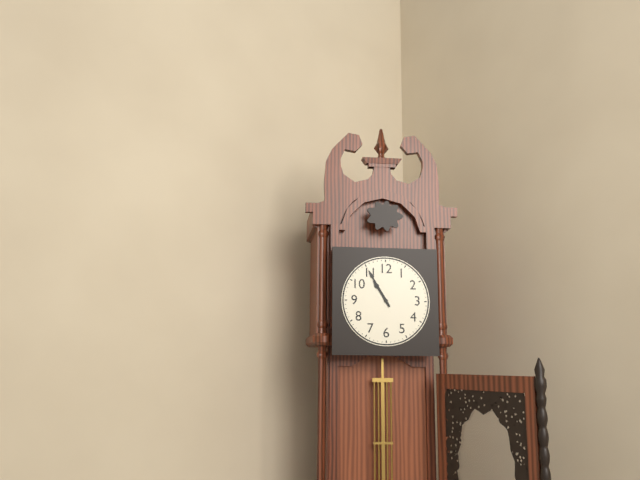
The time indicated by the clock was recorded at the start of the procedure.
10:55
